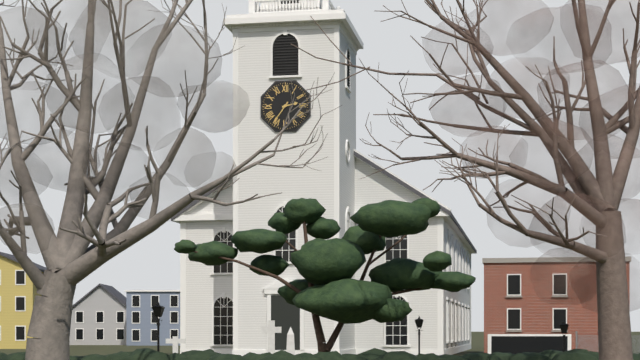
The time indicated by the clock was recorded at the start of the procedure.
2:36
